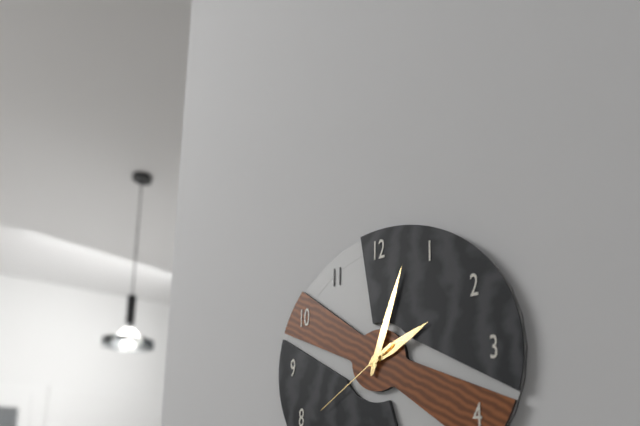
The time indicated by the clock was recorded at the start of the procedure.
2:03:39
